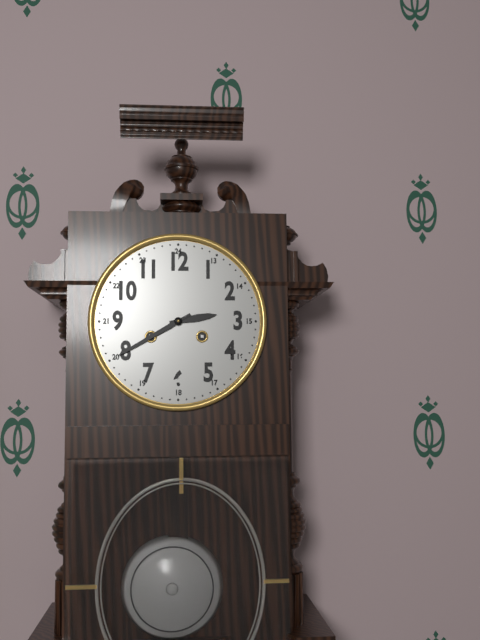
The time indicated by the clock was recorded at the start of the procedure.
2:40
